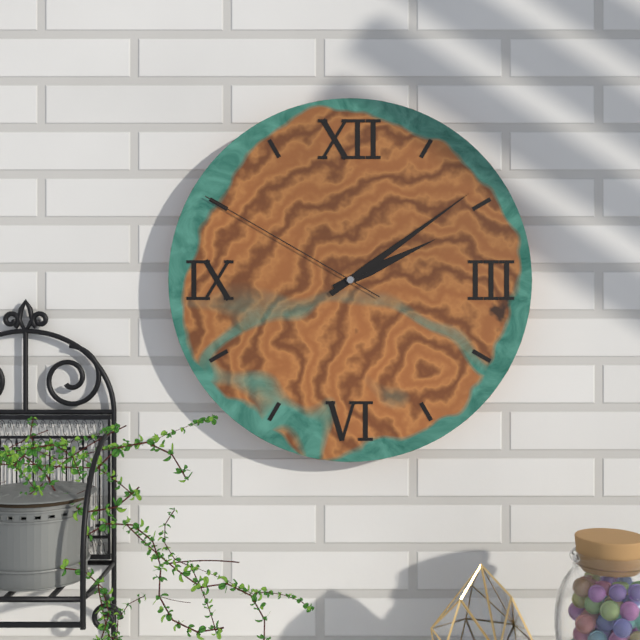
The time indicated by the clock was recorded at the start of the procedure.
2:09:50
